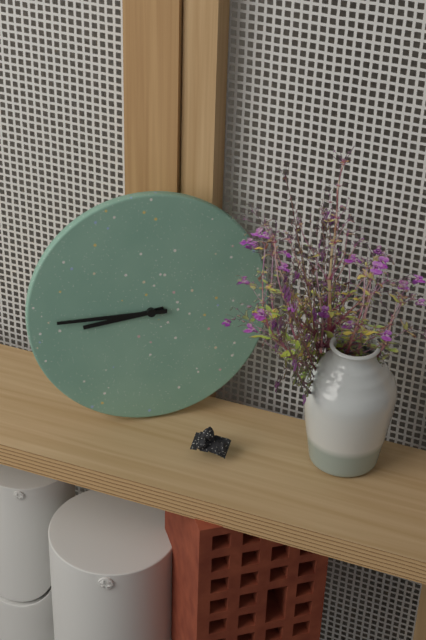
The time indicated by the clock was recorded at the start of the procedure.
8:45
